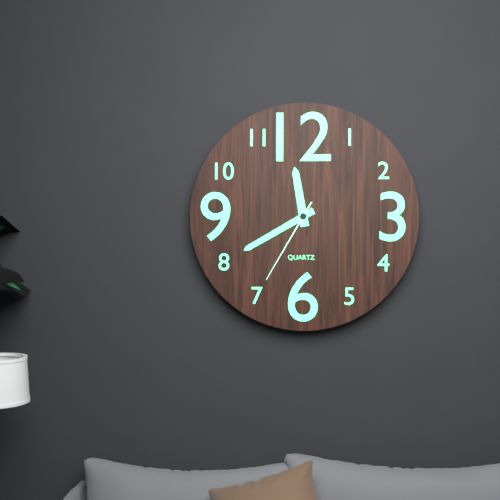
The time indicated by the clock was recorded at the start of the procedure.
11:40:35
